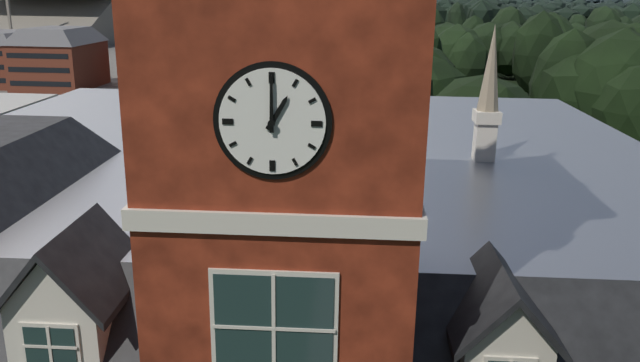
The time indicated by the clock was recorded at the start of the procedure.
1:00
